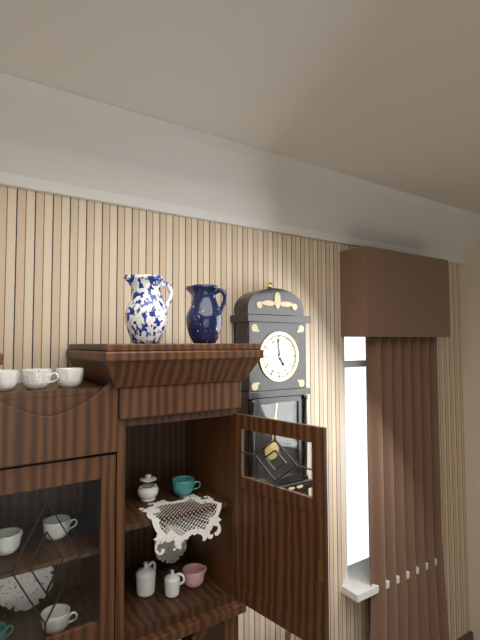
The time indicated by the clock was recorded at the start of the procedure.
4:59
